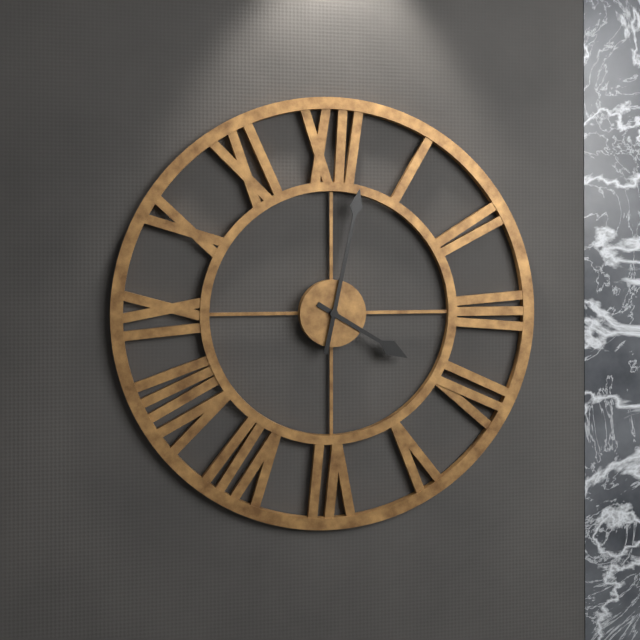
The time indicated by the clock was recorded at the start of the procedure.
4:02
